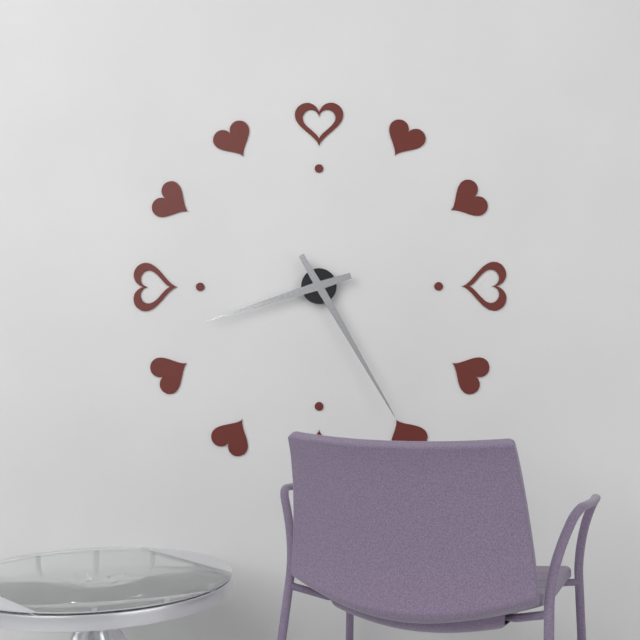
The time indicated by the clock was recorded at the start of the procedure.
8:25
